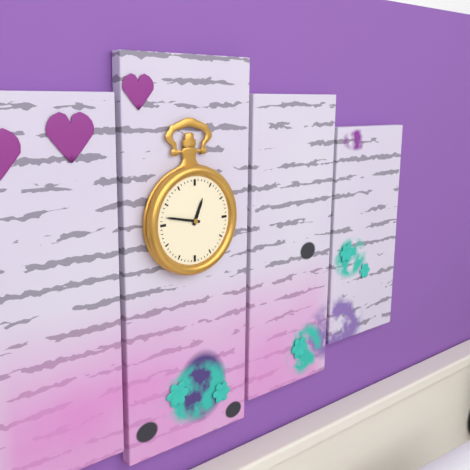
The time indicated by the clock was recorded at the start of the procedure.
12:47
